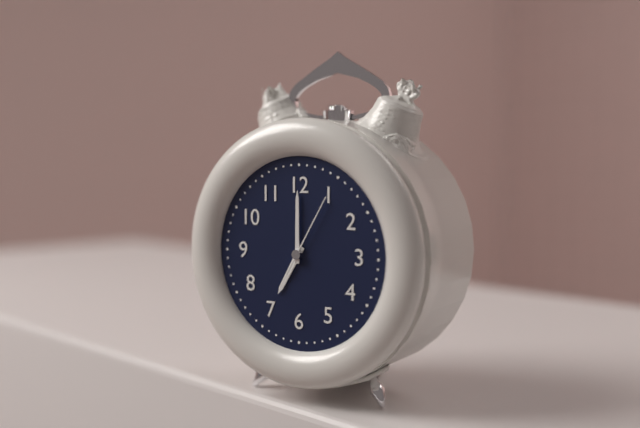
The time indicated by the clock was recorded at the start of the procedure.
7:00:05
